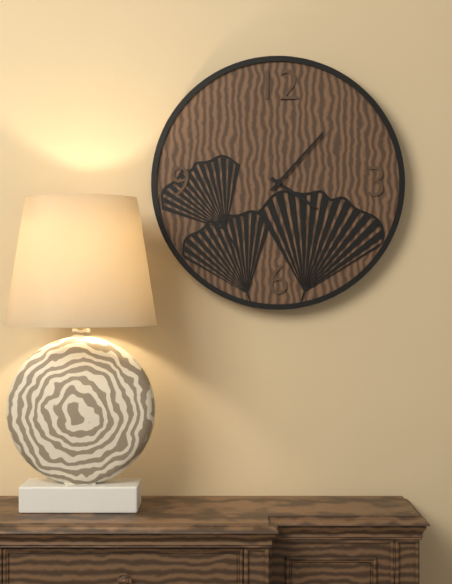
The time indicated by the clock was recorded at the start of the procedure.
4:07
